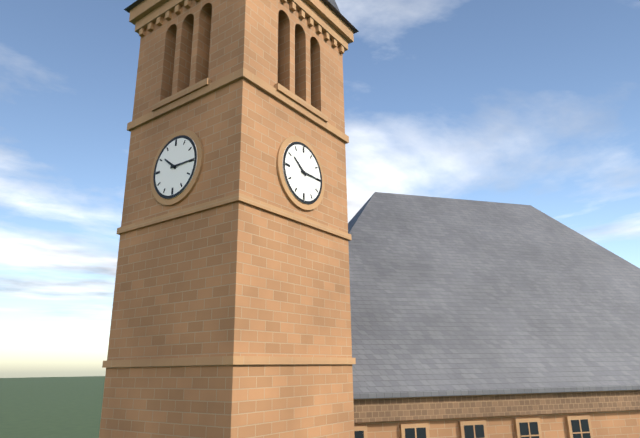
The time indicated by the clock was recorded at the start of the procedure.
10:15
